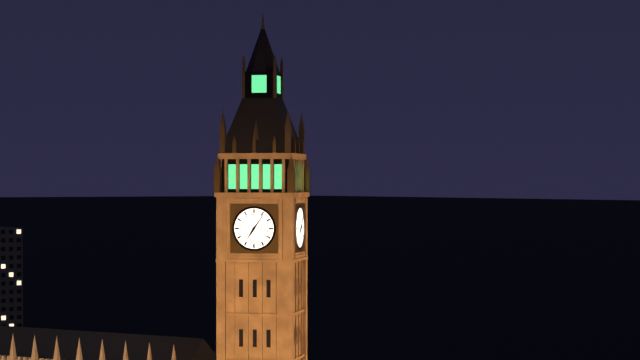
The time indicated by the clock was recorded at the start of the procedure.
7:06
